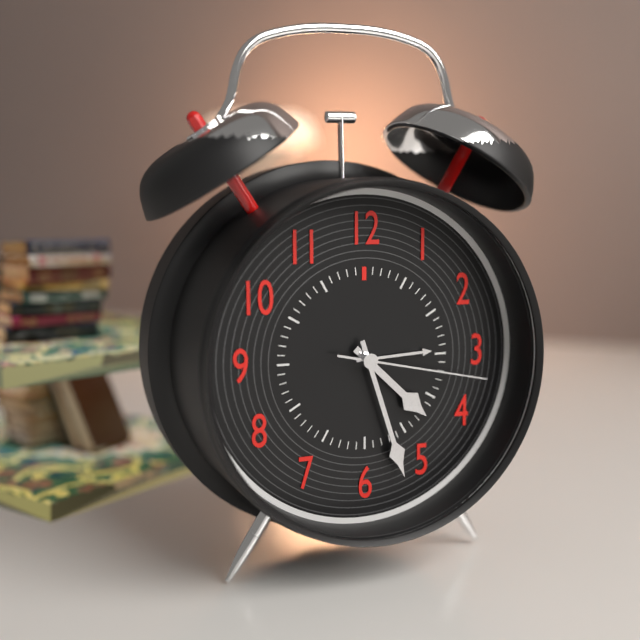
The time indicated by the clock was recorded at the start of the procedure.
4:27:17
